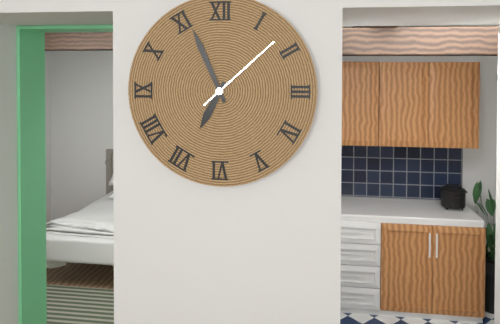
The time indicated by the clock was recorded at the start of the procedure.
6:56:08
